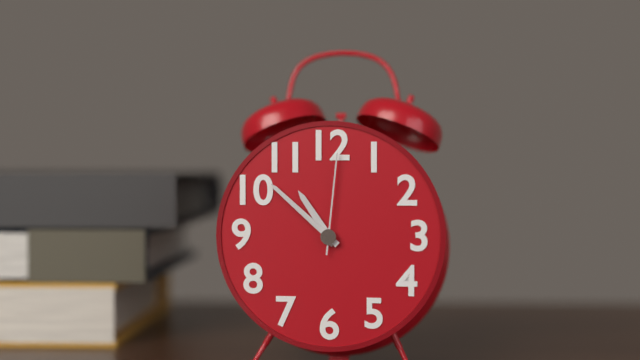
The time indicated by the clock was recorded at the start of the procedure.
10:52:01
